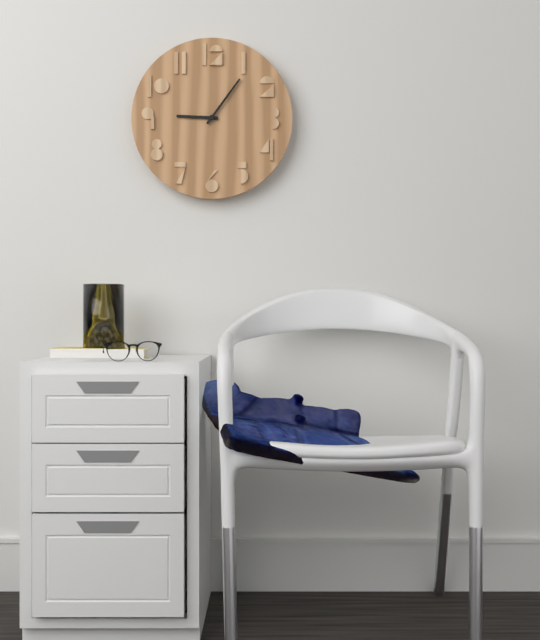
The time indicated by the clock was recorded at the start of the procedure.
9:06
